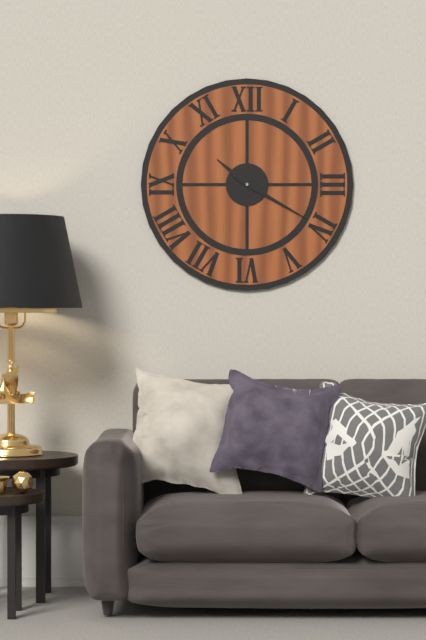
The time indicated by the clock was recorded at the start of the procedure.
10:20:20
